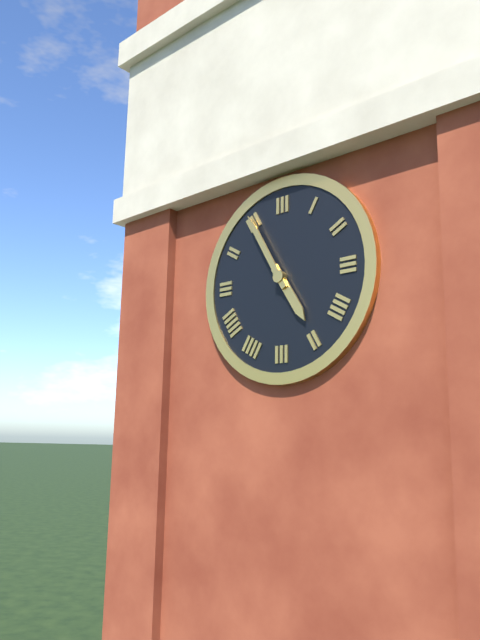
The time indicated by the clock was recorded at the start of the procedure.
4:55
